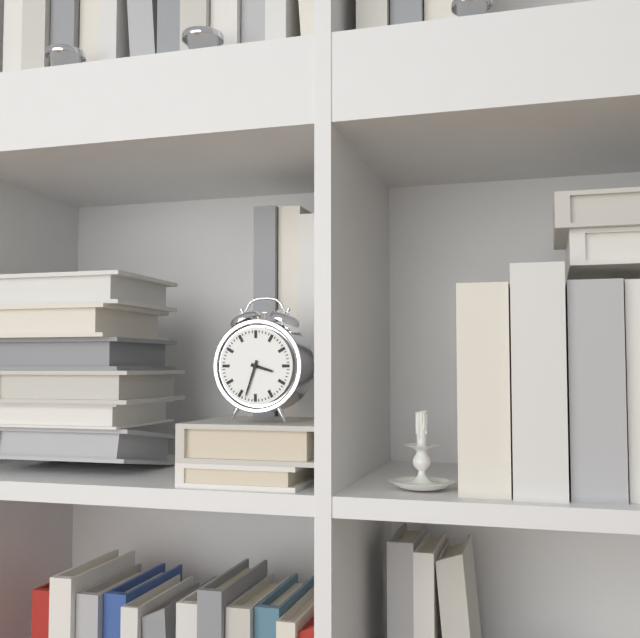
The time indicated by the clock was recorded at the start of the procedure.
3:33
